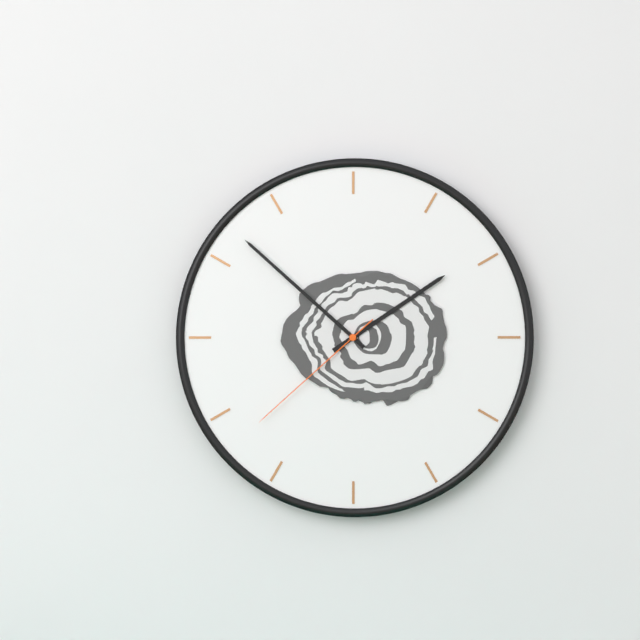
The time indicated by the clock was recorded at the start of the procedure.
1:52:38
